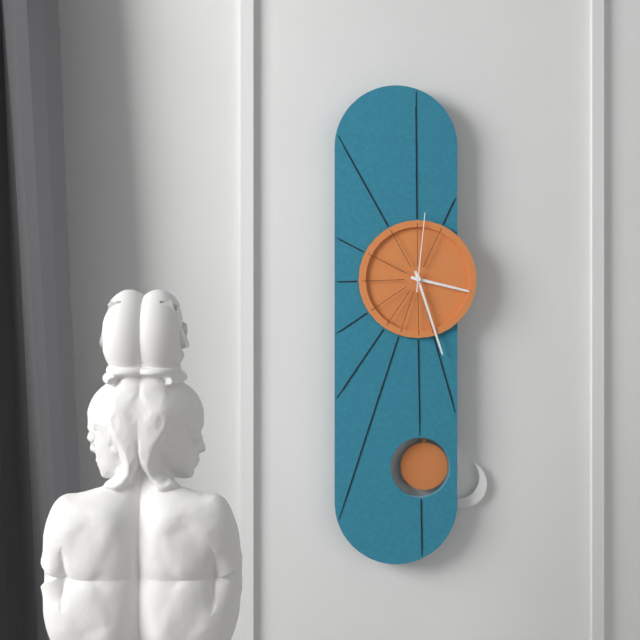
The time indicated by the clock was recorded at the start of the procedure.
3:27:01
